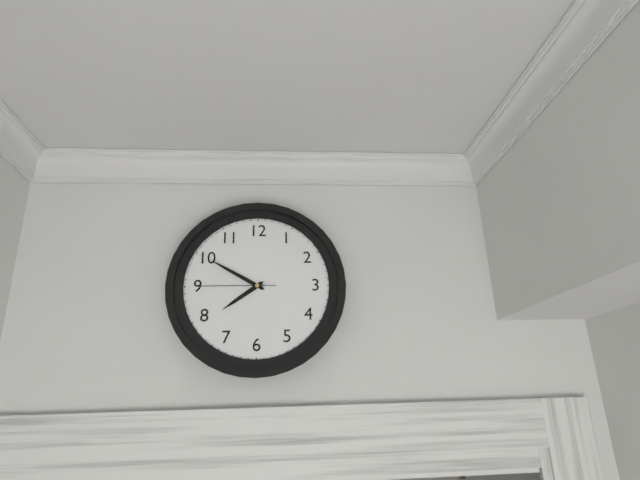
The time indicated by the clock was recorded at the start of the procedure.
7:50:45
